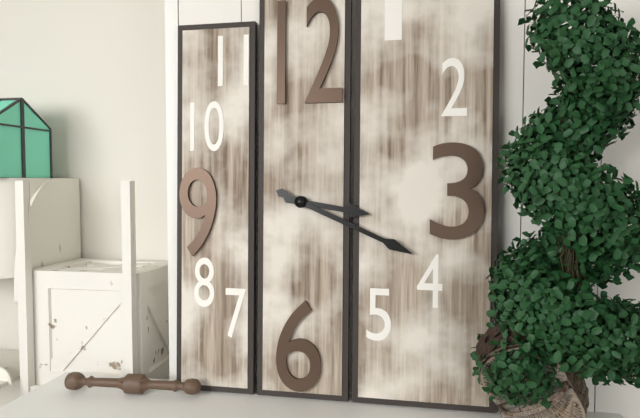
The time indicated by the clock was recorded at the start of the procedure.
3:19
